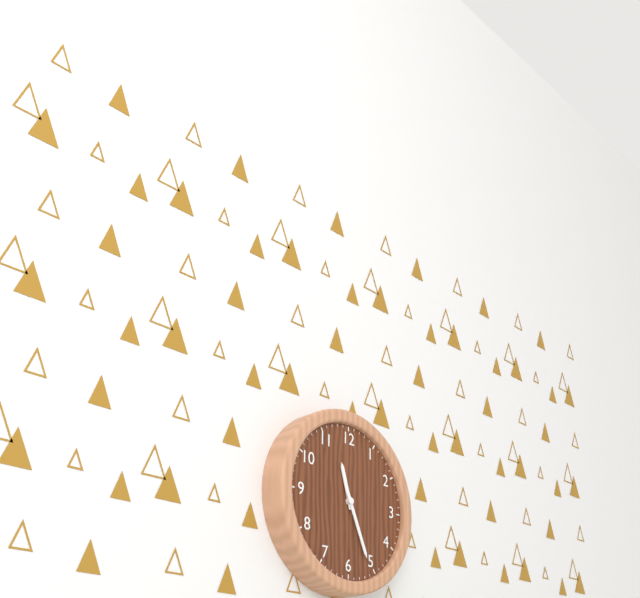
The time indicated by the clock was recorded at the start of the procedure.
11:26
